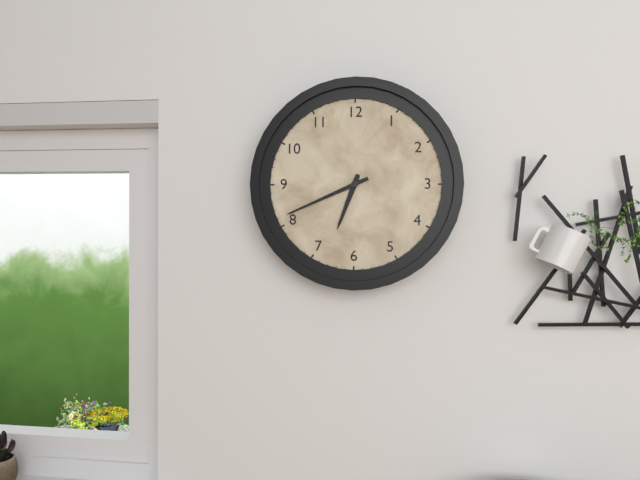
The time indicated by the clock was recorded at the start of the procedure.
6:41
